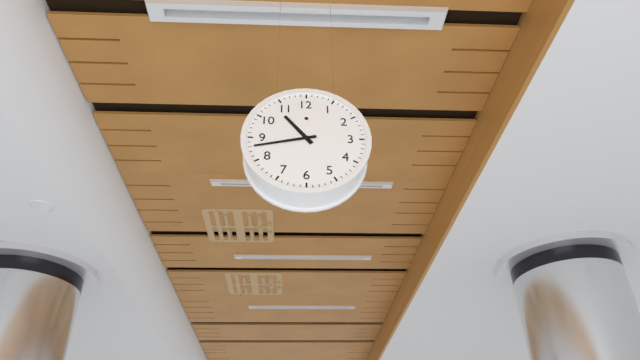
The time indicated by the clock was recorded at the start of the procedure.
10:43
